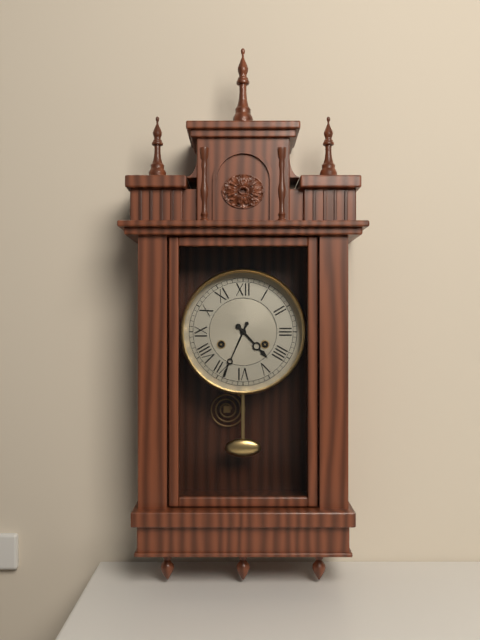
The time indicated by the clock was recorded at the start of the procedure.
4:34
